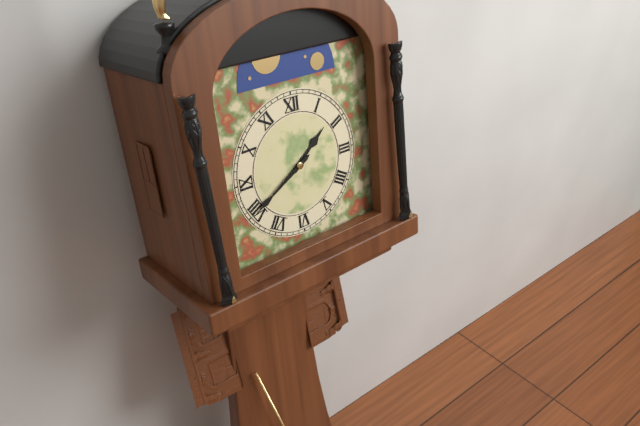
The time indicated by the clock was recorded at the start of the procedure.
1:40
